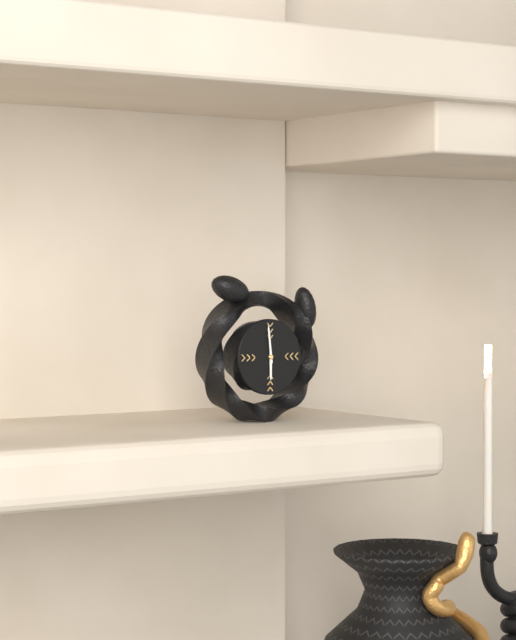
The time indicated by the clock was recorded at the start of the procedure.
5:59
